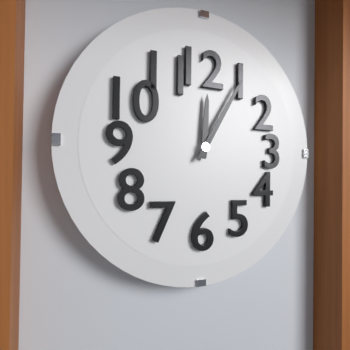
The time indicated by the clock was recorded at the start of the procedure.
12:05
